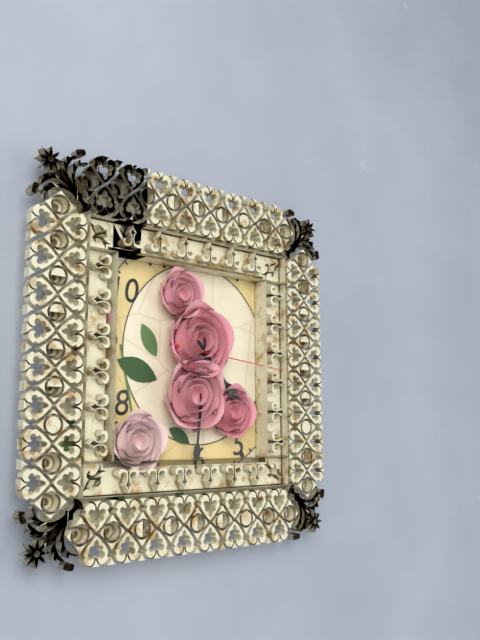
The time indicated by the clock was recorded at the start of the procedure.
4:31:16
